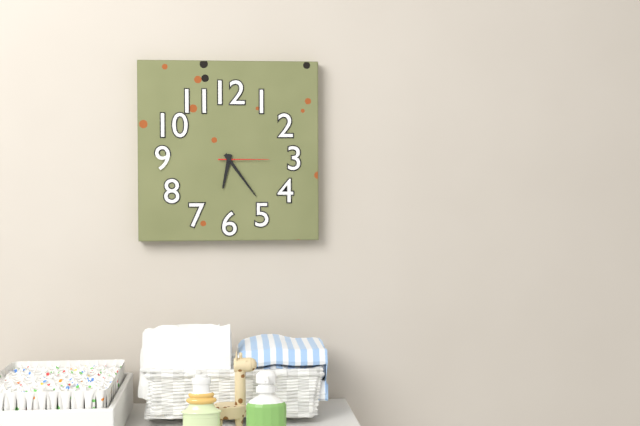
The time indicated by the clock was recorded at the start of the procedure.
6:24:15
